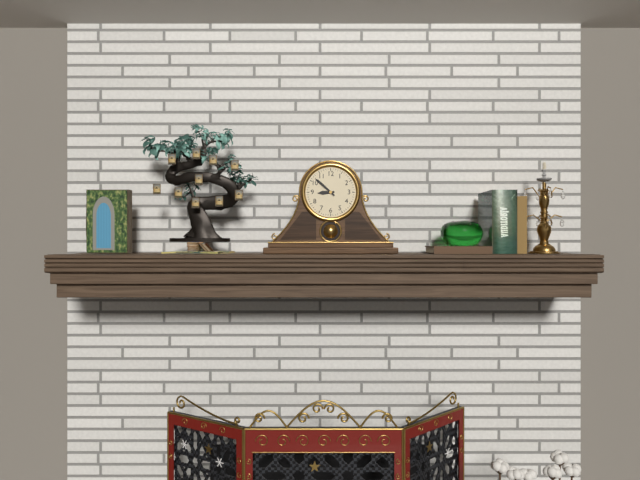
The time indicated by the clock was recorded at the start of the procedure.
8:52
